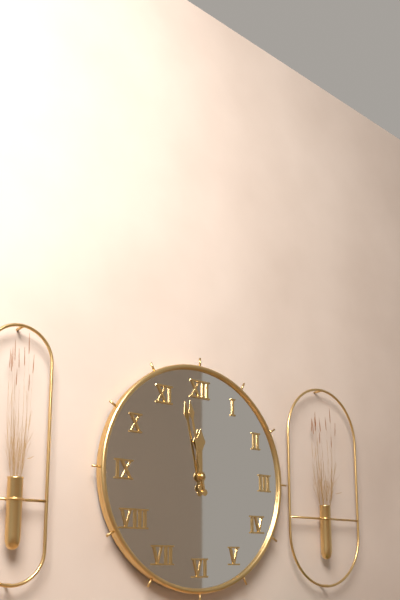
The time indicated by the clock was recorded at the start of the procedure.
11:58
